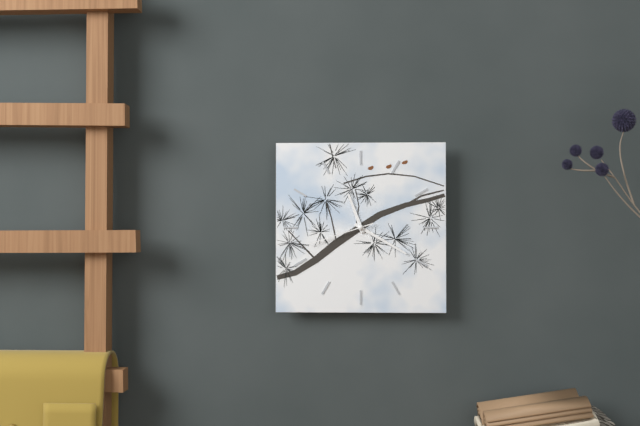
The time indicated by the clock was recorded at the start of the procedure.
11:20:42
